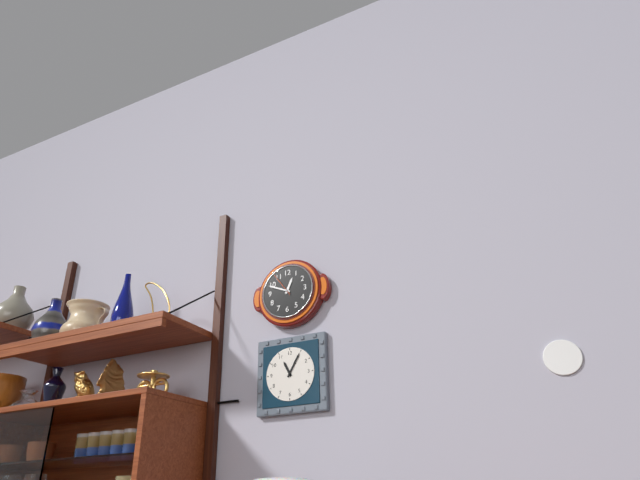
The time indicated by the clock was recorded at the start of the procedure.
12:49
